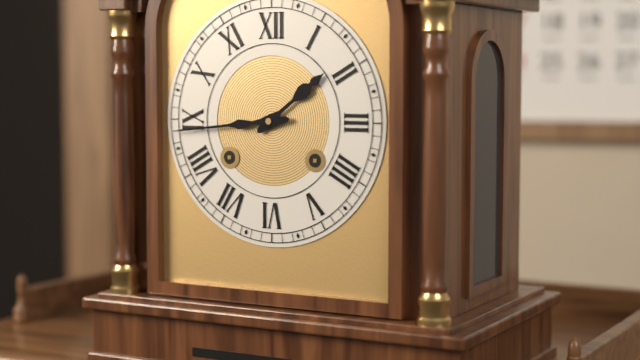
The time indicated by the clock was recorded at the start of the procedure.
1:44
